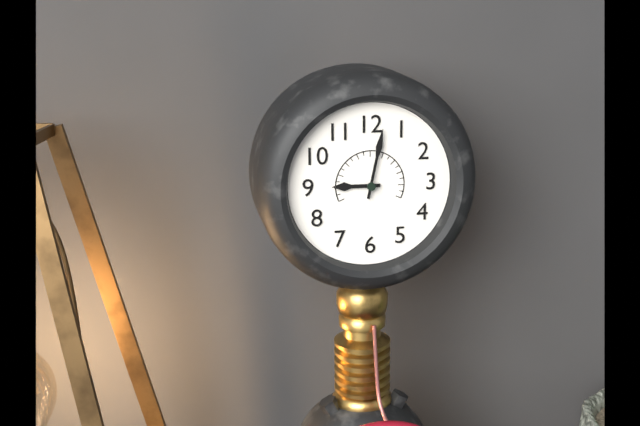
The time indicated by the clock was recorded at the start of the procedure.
9:02
